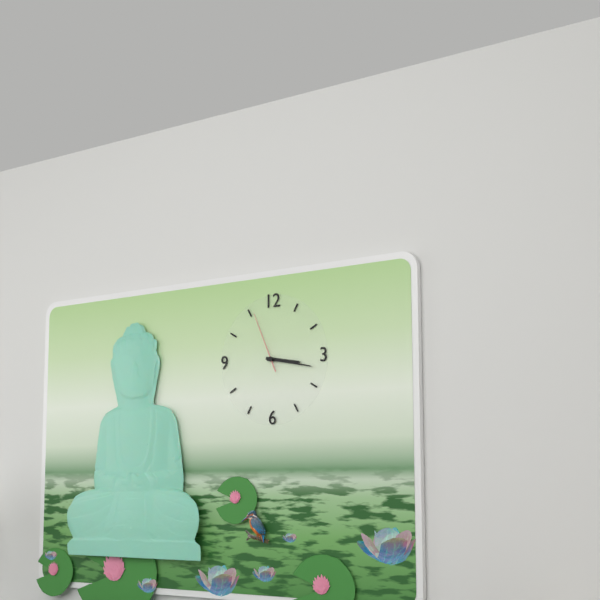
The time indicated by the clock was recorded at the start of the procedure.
3:17:56
